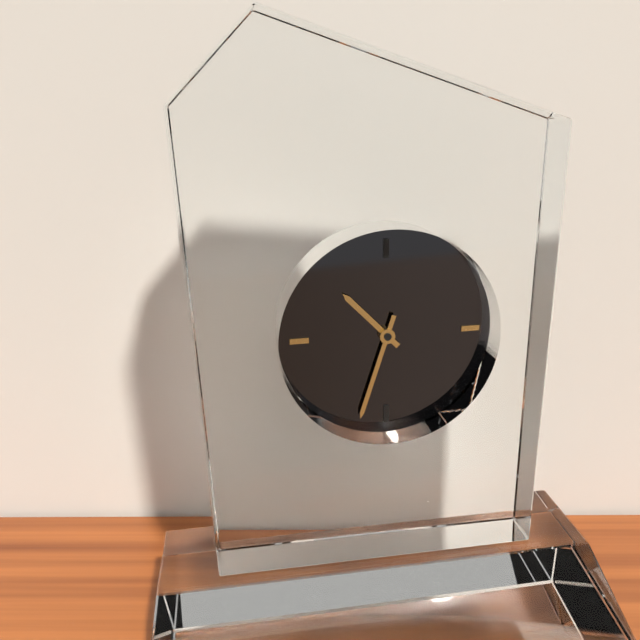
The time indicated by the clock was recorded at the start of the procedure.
10:33
